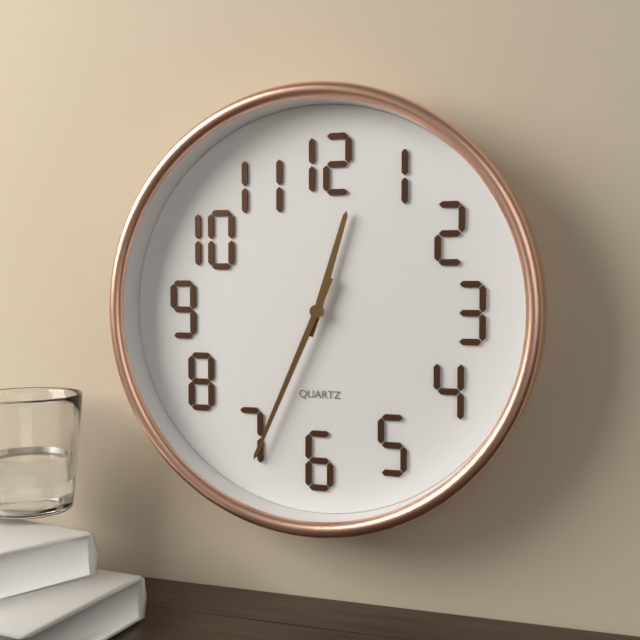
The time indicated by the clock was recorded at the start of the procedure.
12:34
